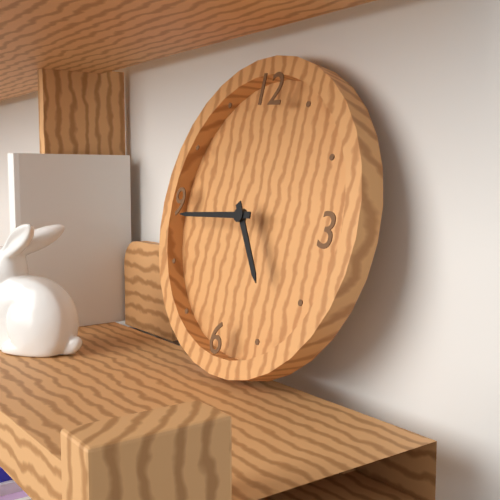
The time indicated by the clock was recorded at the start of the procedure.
4:44
